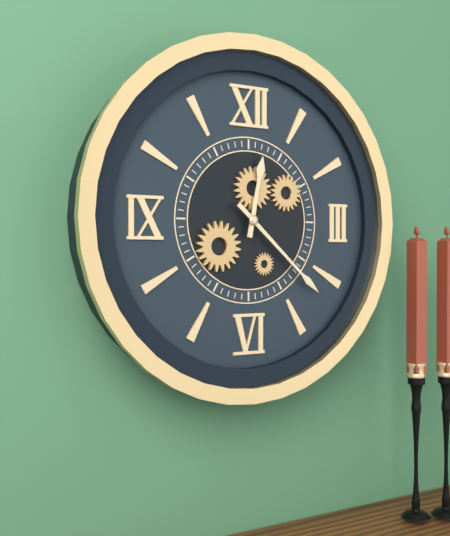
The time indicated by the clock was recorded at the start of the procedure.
12:22
